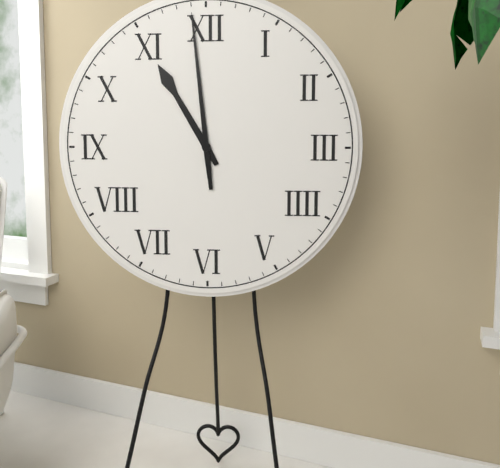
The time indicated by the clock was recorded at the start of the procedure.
10:59
